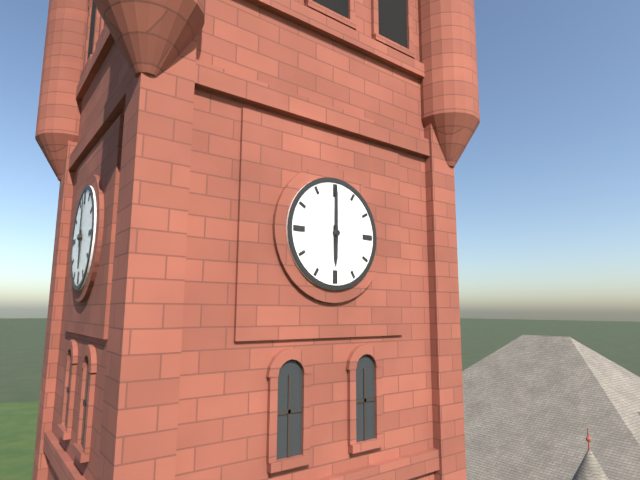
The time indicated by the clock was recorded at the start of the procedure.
6:00
